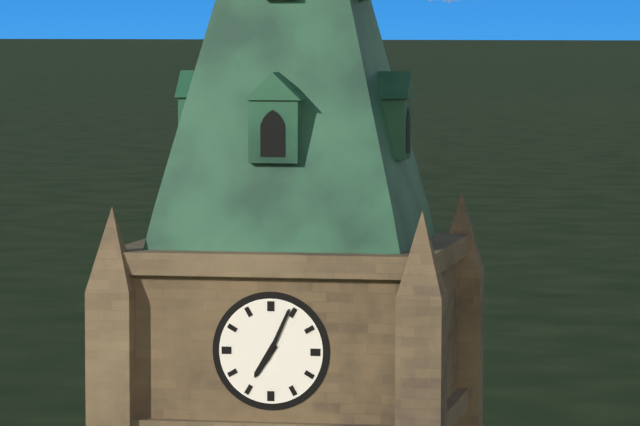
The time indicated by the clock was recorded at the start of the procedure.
7:04
